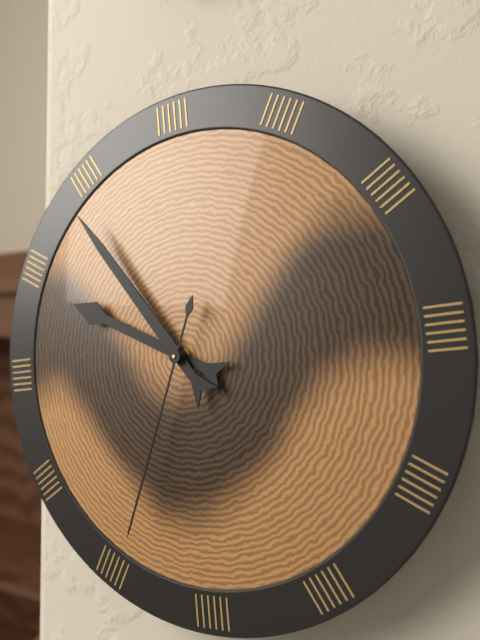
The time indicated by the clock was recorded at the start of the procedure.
9:54:34
